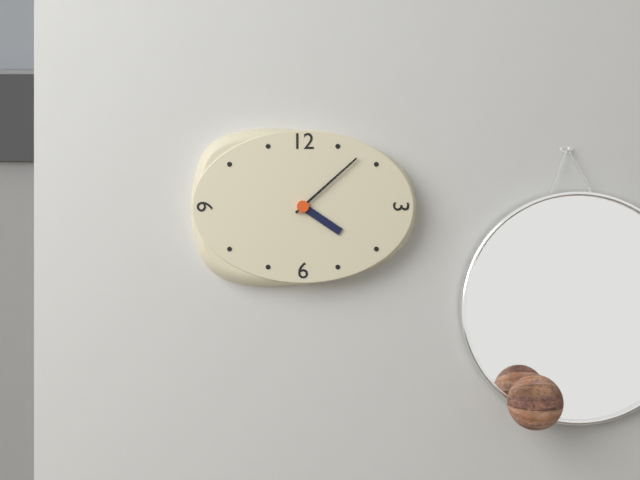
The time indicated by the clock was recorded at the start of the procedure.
4:08
